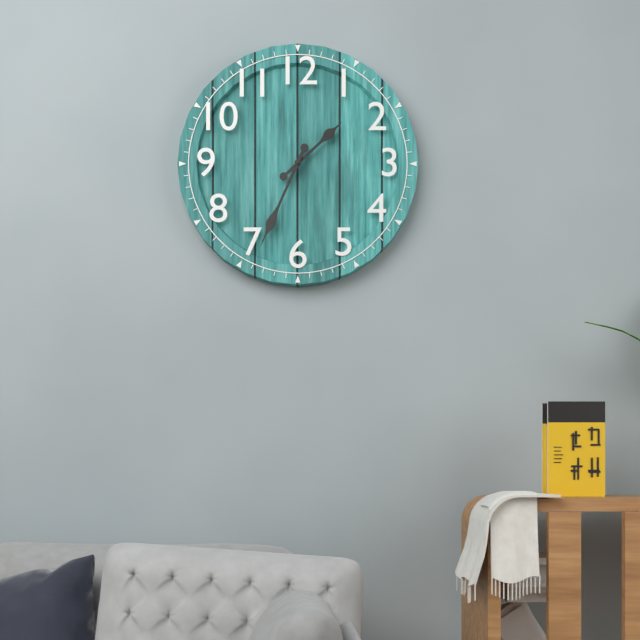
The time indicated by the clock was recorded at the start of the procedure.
1:34
